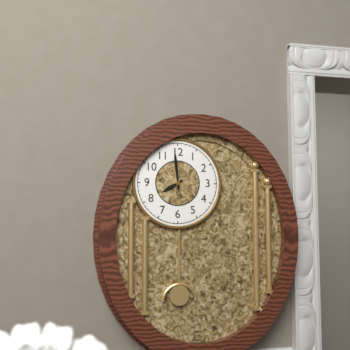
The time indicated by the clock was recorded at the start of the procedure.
7:59
